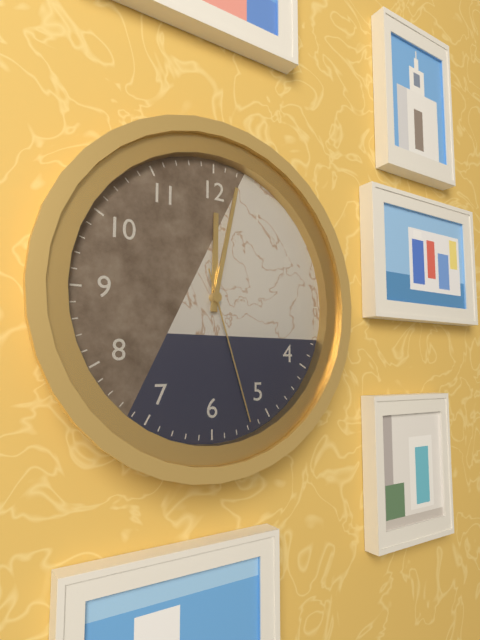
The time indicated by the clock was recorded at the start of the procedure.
12:02:27
